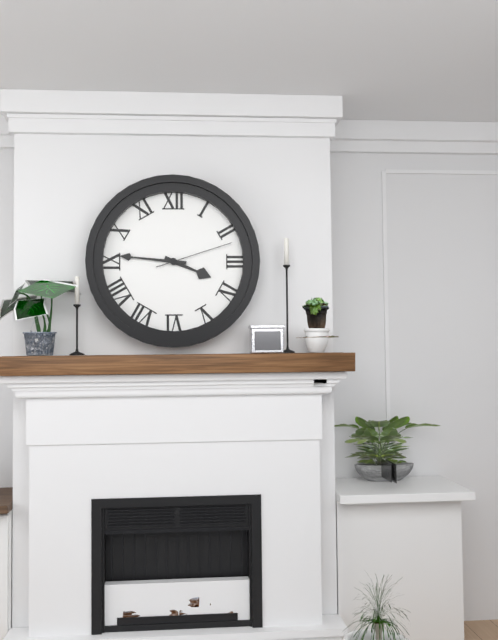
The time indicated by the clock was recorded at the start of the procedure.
3:46:12
